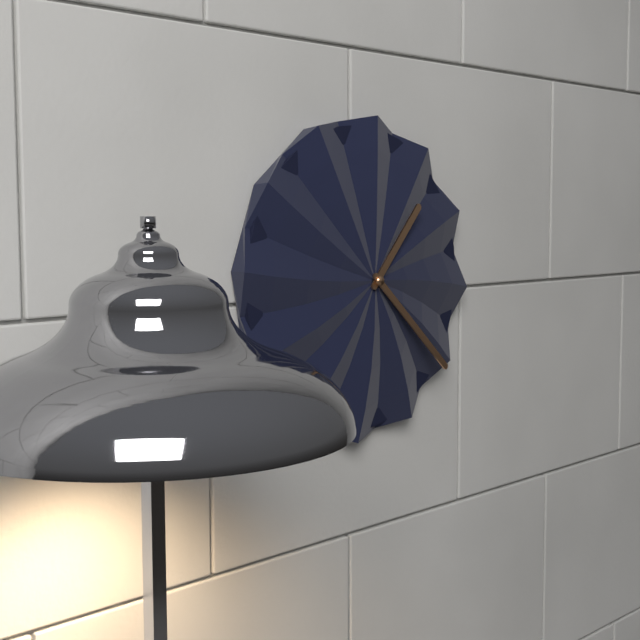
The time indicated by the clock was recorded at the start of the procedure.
1:22
